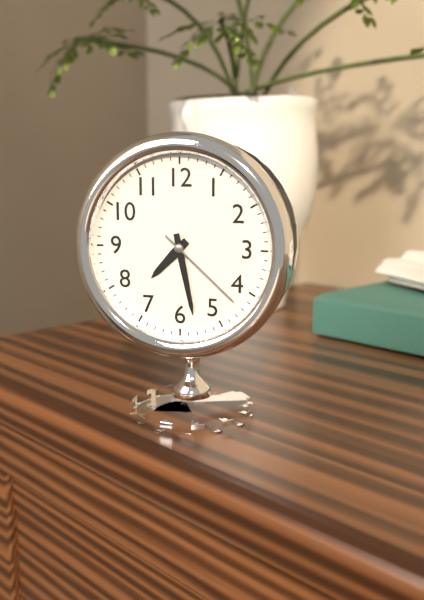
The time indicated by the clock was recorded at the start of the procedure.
7:28:22
